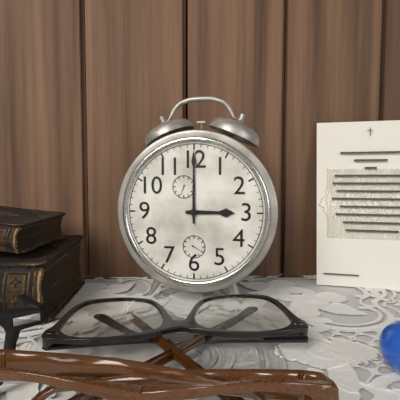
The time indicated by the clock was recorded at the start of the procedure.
3:00
